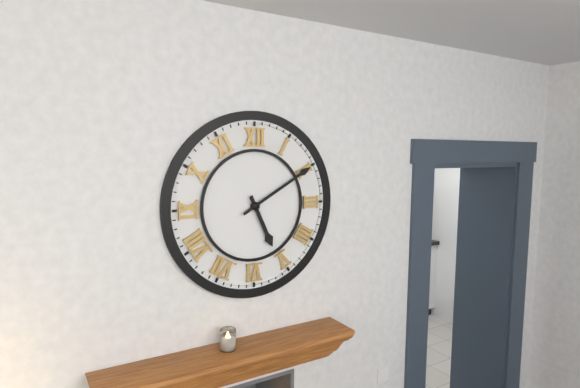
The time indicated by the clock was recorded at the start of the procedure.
5:10
